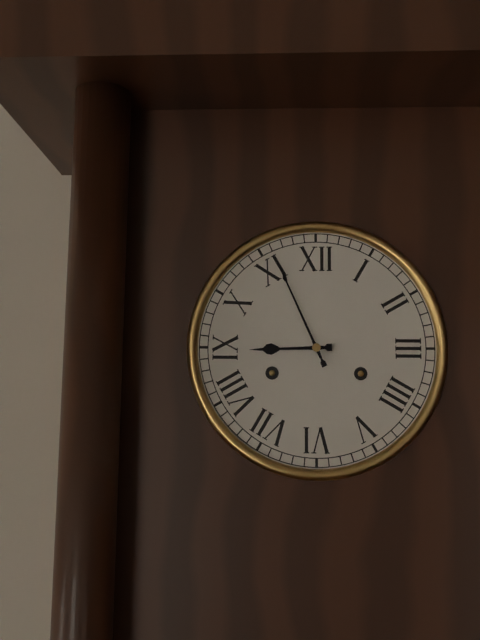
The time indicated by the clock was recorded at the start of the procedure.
8:56
